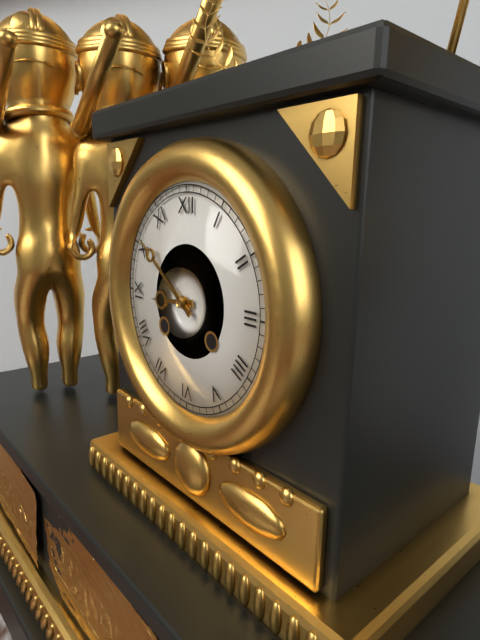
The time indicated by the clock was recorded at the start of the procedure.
8:51
